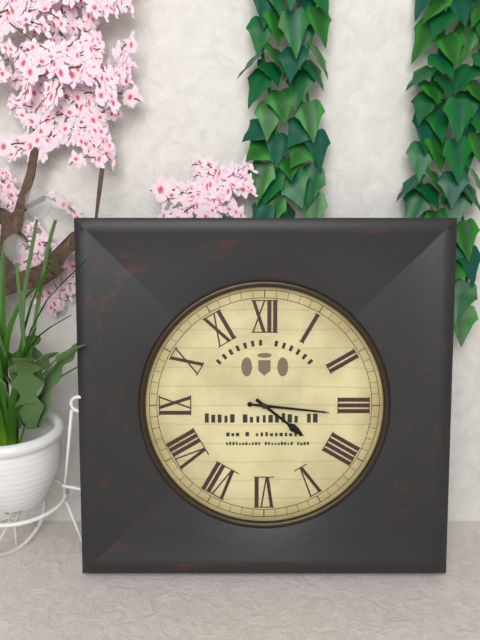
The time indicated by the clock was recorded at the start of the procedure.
4:16
